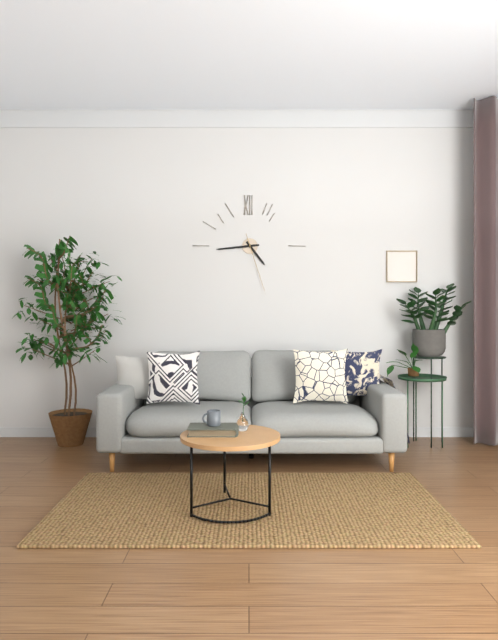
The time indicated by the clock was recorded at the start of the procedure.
4:44:27
